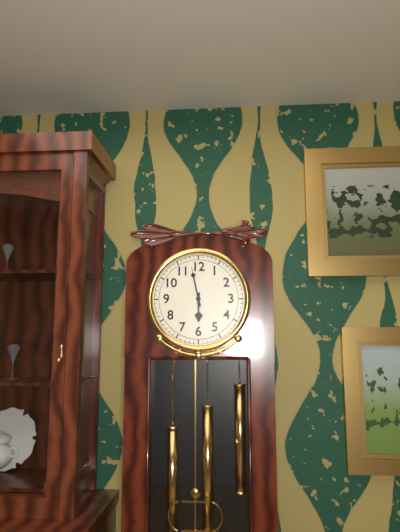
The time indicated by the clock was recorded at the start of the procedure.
5:58
